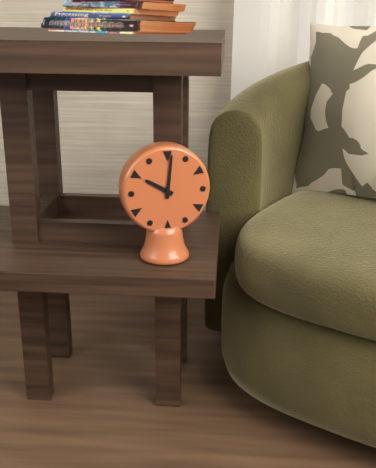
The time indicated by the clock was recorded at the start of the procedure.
10:01
